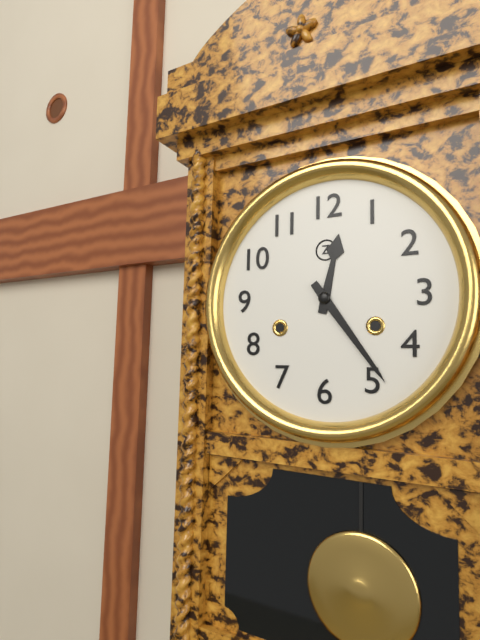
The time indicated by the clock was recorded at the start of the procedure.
12:24
